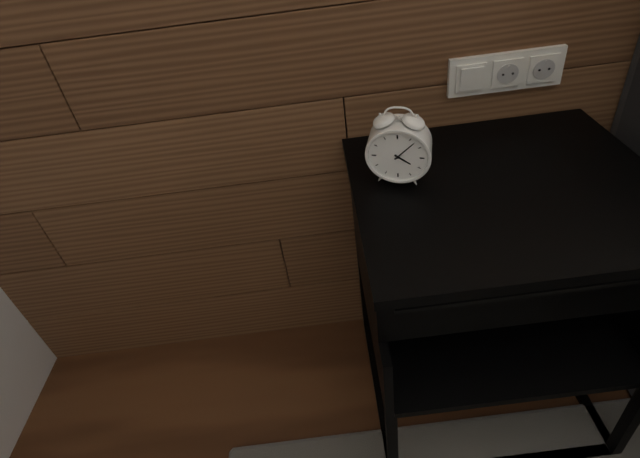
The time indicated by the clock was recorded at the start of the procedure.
4:07
